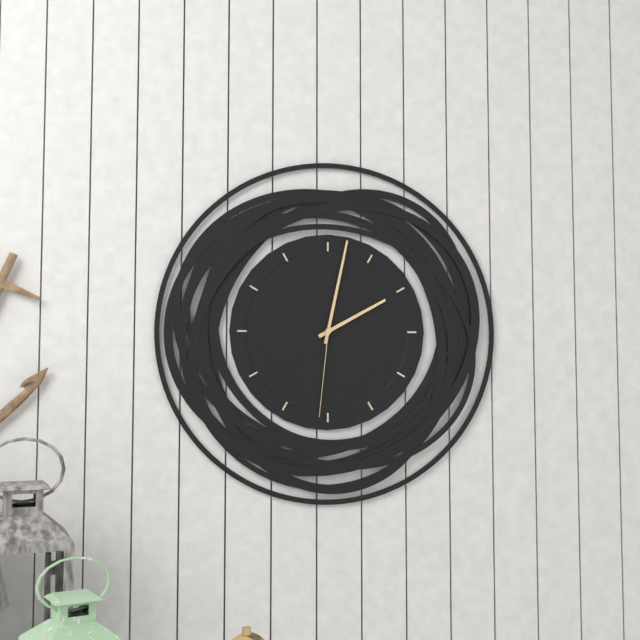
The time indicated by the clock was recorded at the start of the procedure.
2:02:31
